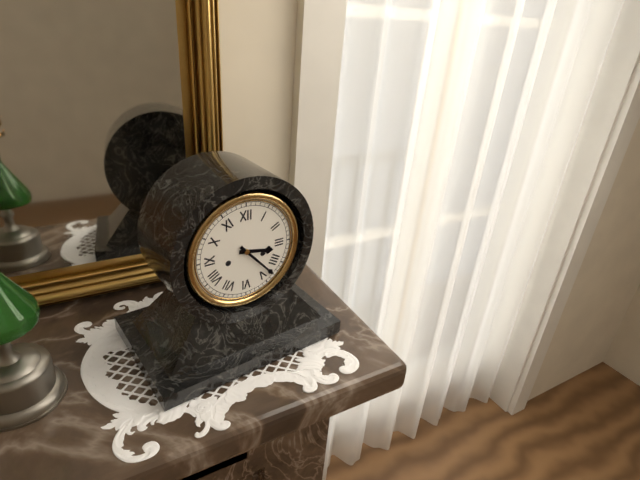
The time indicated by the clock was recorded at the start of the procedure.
3:23
